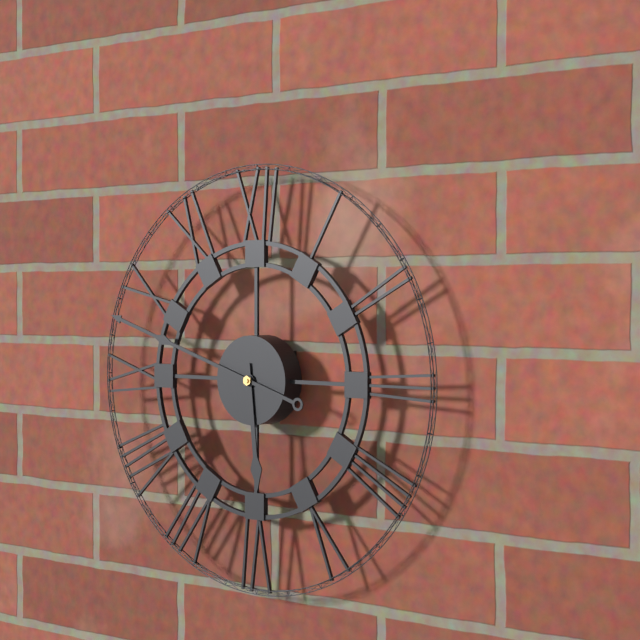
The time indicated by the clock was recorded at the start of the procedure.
5:48
